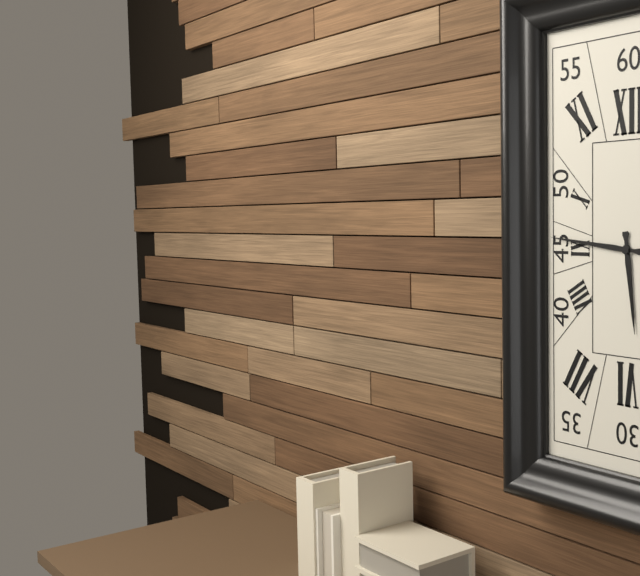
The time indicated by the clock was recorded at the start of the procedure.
5:46
